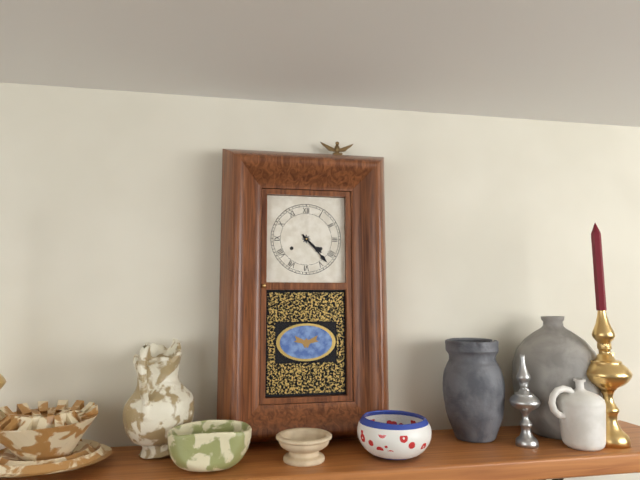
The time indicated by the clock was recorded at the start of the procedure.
4:23
